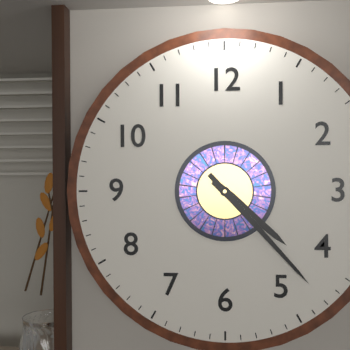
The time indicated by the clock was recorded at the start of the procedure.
4:23
